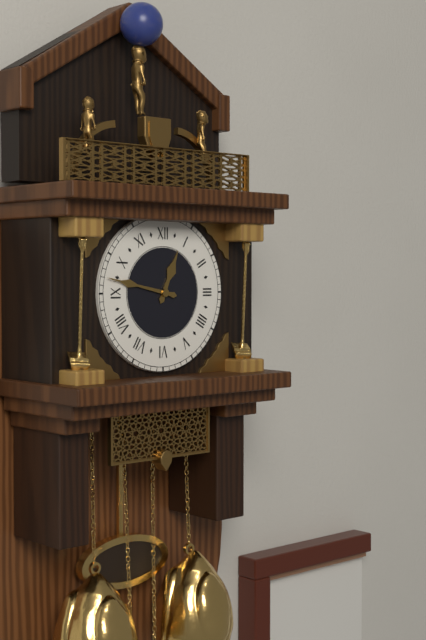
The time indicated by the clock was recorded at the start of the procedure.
12:47
